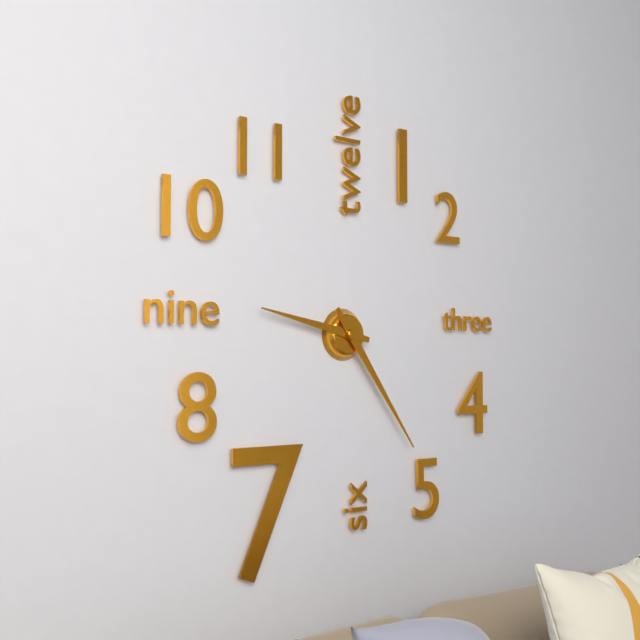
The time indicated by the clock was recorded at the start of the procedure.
9:24
